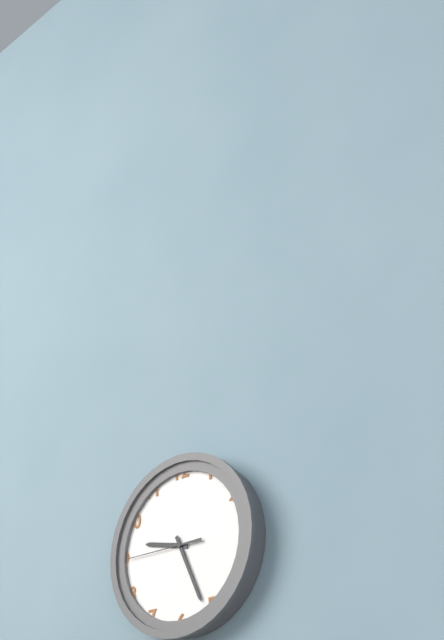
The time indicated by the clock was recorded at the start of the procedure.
9:26:45
